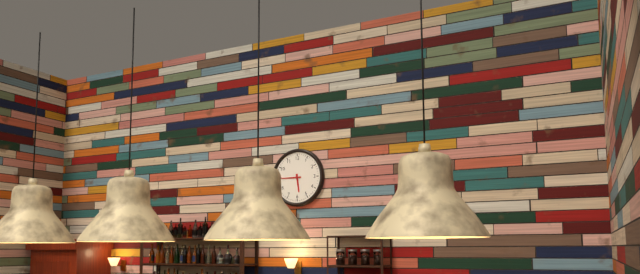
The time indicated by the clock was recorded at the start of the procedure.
5:45
